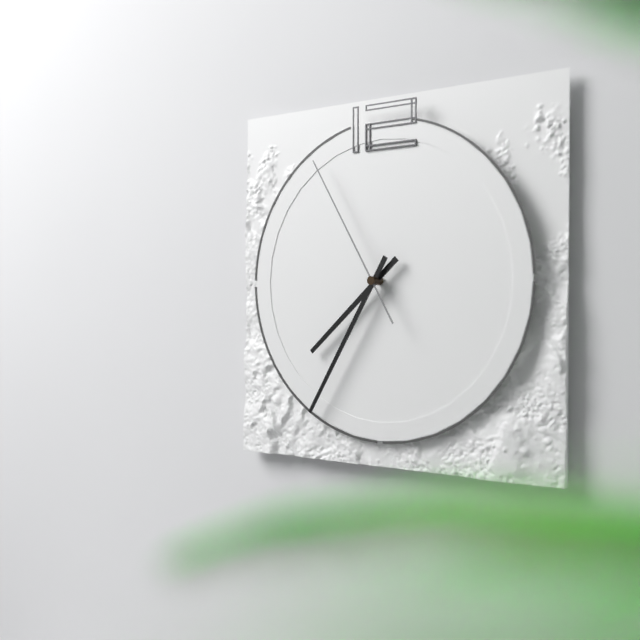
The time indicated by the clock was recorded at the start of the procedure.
7:35:55
